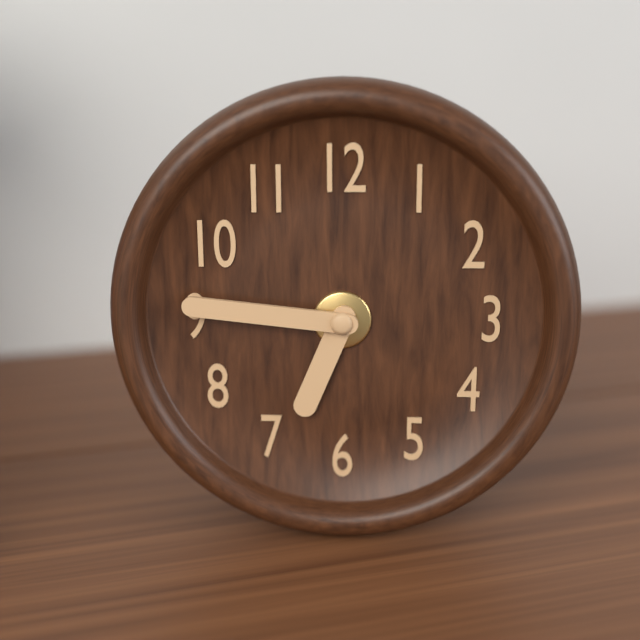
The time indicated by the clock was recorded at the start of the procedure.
6:46
